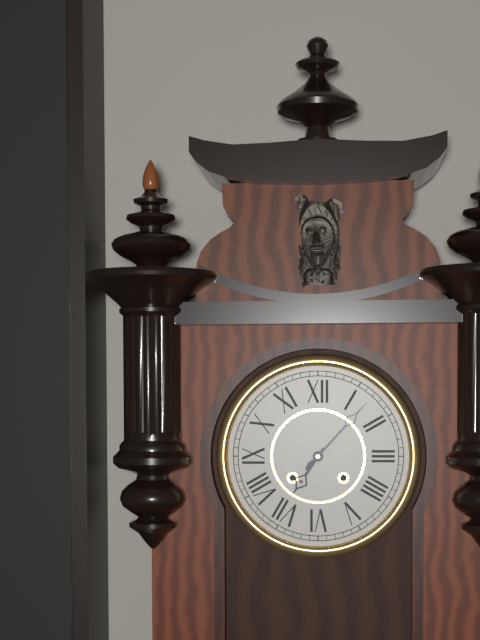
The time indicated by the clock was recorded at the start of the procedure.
7:07
